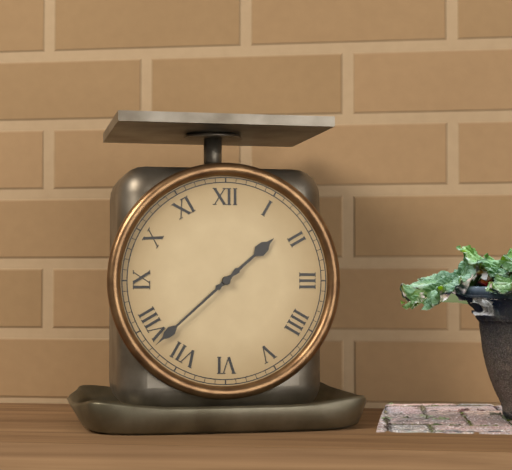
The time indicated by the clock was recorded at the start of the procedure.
1:38
